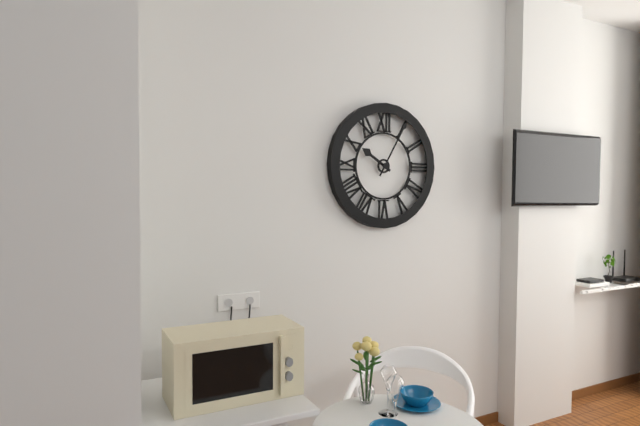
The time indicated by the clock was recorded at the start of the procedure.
10:05
